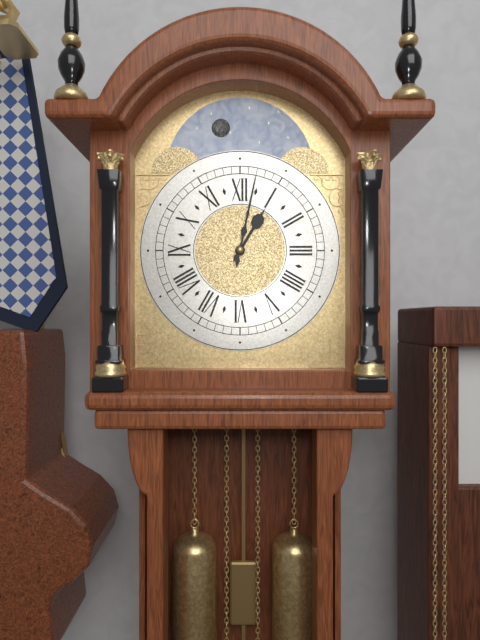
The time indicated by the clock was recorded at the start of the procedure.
1:02
